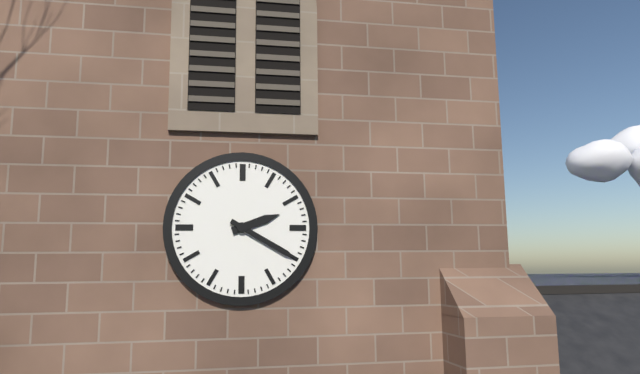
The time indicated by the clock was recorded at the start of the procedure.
2:20
